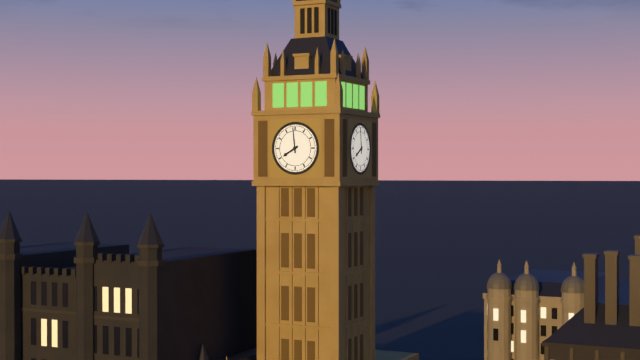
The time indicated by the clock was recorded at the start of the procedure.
7:59
